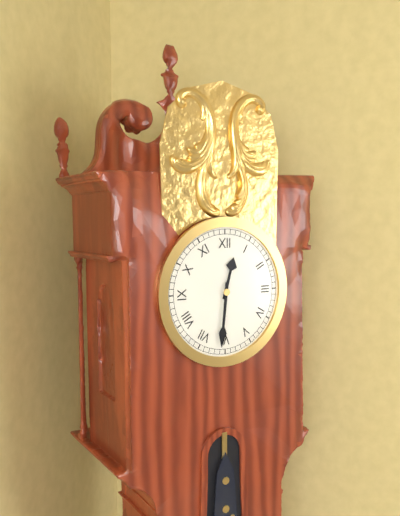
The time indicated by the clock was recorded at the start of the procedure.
12:31
